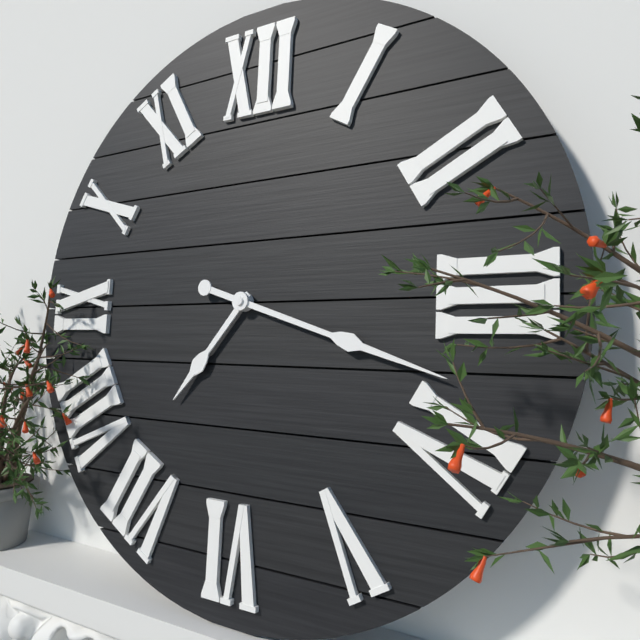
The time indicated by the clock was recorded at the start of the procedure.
7:18
